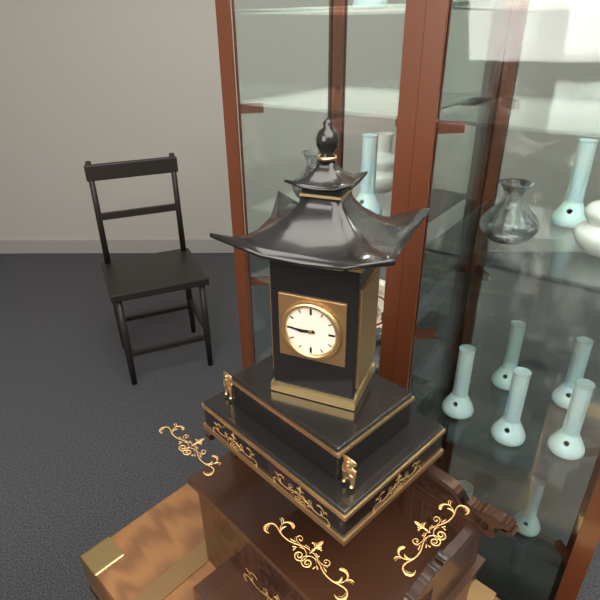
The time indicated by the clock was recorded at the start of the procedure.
8:45
